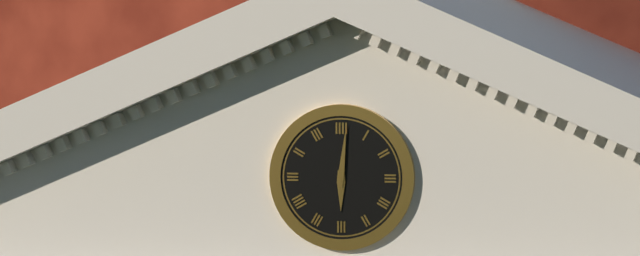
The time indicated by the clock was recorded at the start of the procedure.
6:01
